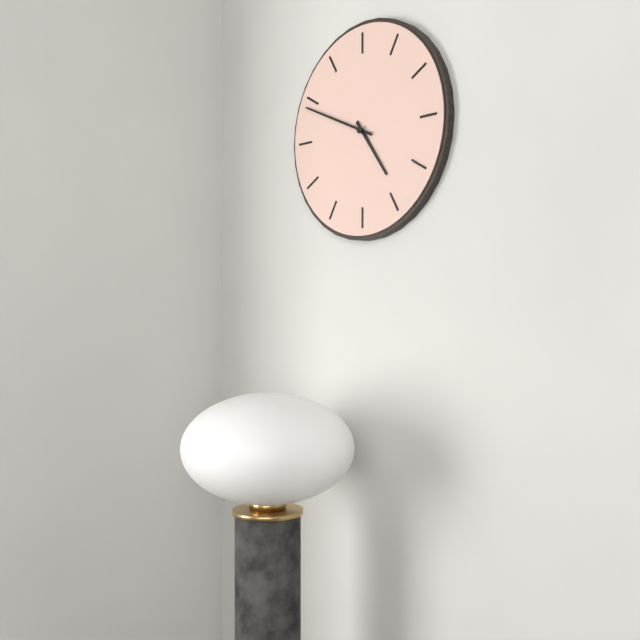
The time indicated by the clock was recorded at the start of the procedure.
4:49
